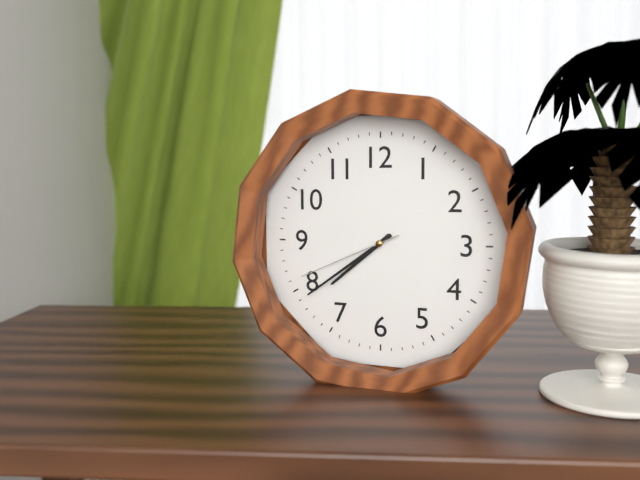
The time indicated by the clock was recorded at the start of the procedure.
7:39:41
